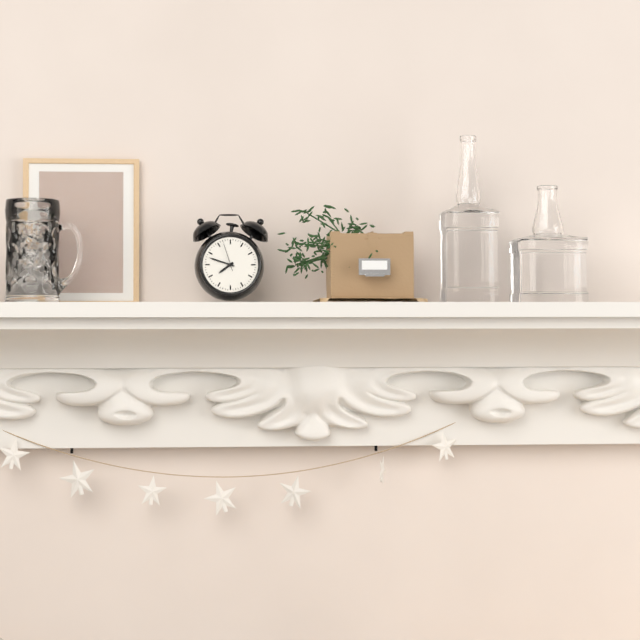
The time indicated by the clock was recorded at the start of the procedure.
7:48
